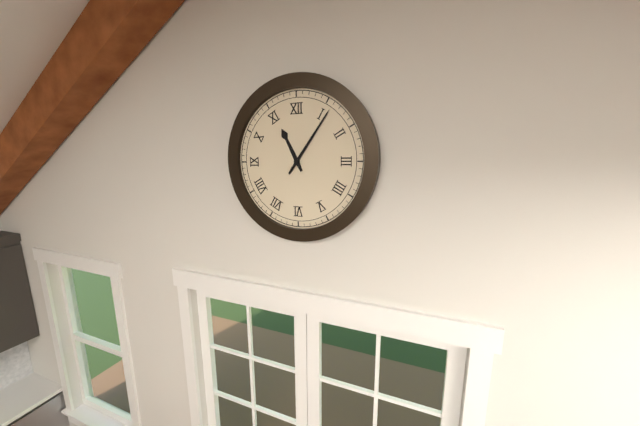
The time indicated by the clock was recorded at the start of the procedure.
11:06
